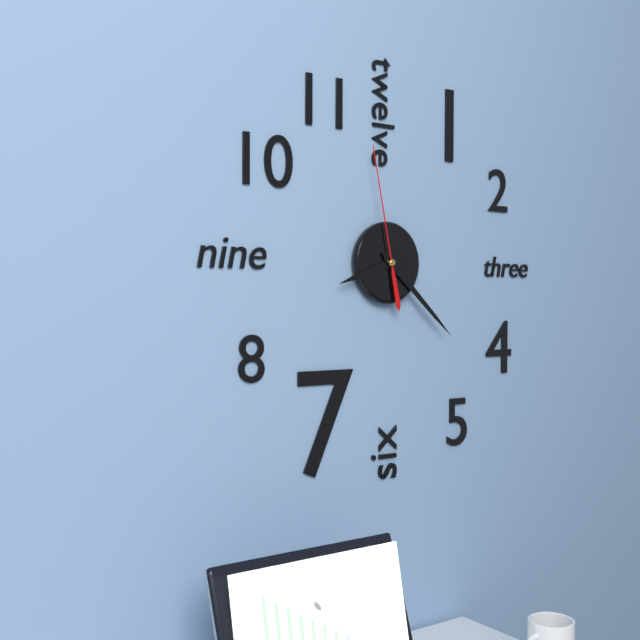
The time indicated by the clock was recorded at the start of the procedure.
8:22:58
